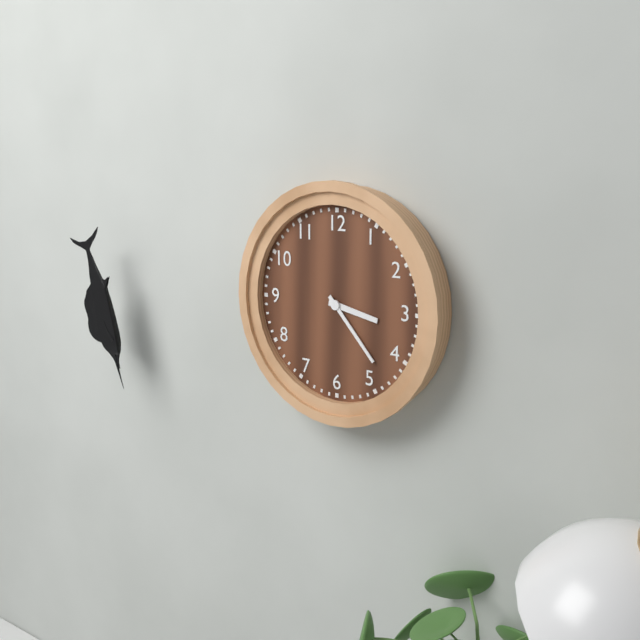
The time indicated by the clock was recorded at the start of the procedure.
3:23
